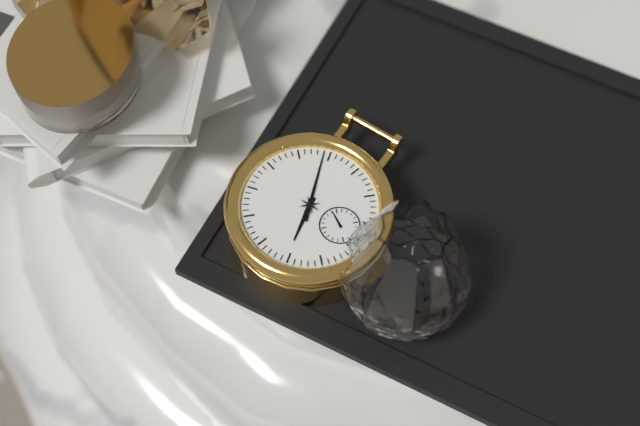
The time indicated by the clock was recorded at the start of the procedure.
7:04
